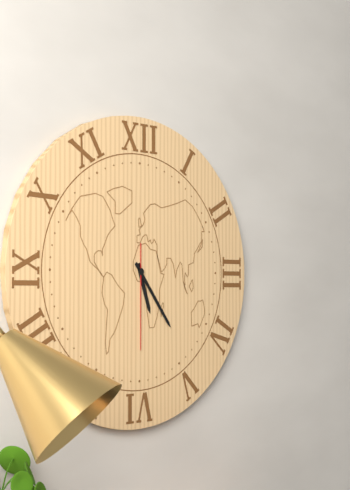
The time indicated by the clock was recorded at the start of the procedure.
5:24:30
